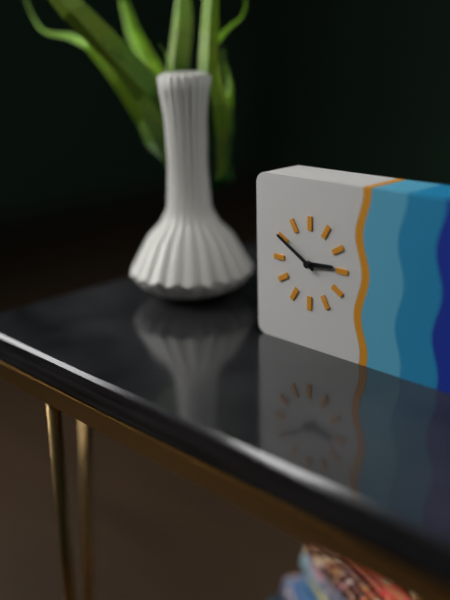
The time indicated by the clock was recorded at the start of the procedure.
2:50
